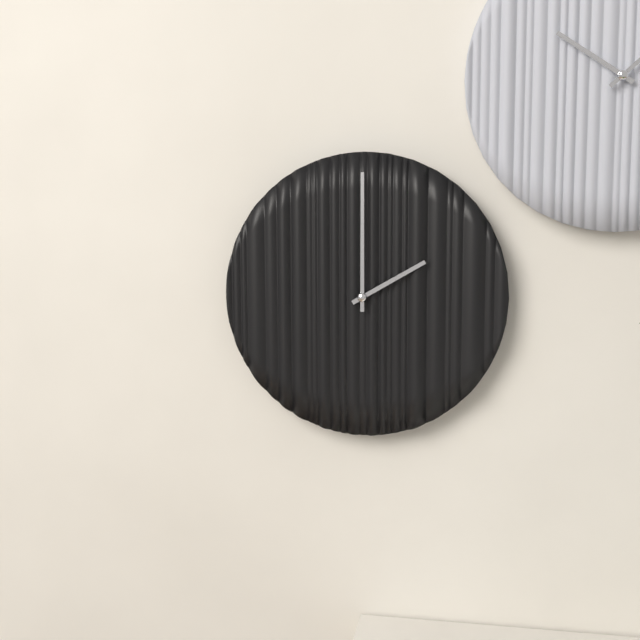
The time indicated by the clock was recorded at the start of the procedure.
2:00
